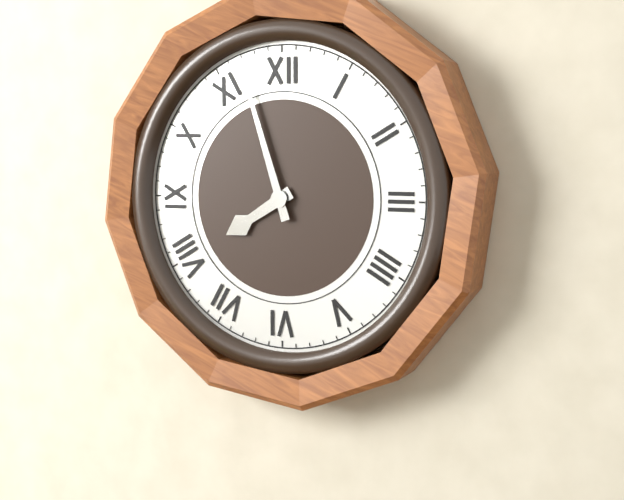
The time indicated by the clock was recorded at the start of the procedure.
7:57
